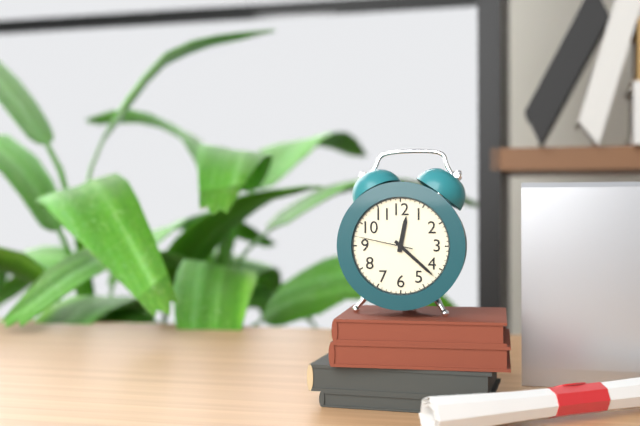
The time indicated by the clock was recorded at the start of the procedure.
12:22:47
